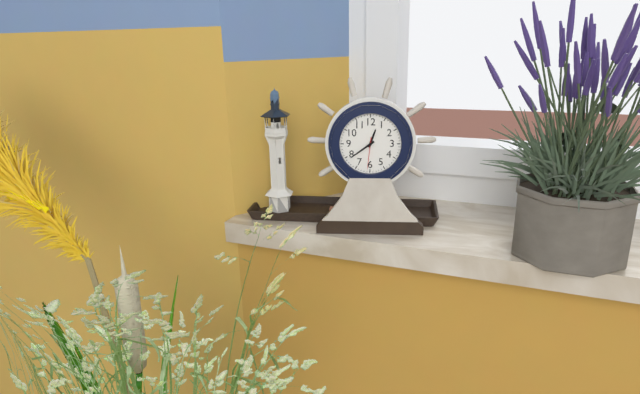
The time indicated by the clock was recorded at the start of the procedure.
12:39
